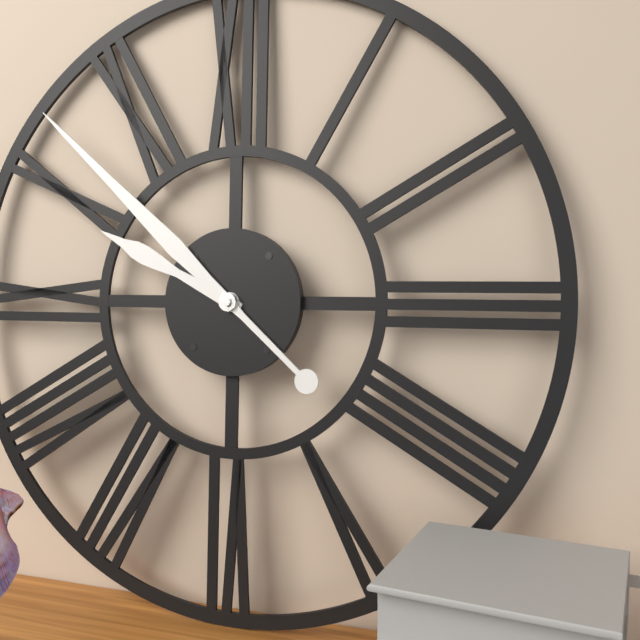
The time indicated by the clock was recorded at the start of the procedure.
9:52
